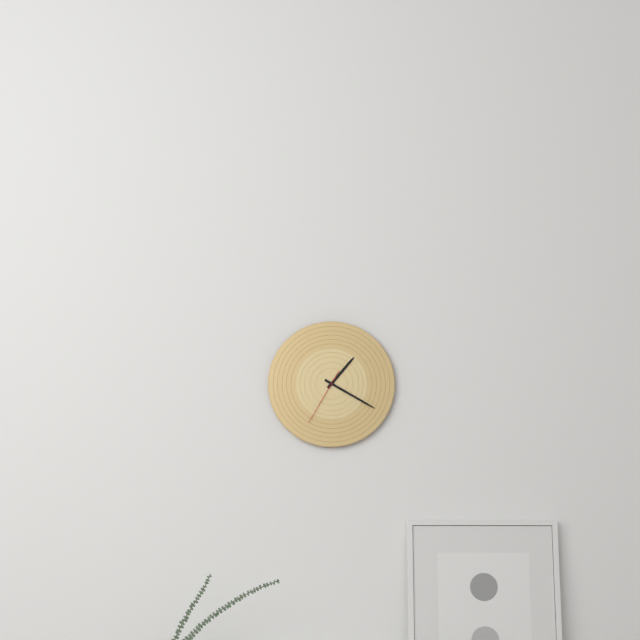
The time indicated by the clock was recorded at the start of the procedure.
1:20:35
